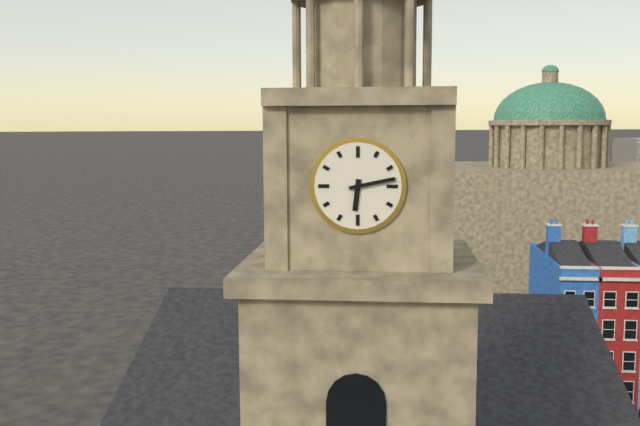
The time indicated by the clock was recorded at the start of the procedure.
6:13
